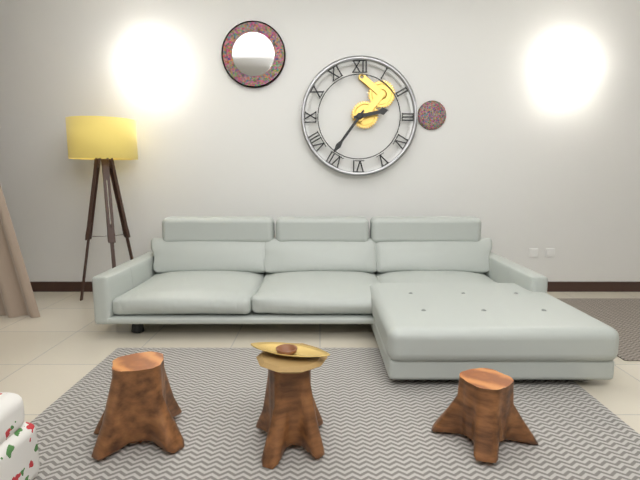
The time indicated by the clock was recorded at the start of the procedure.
2:36
